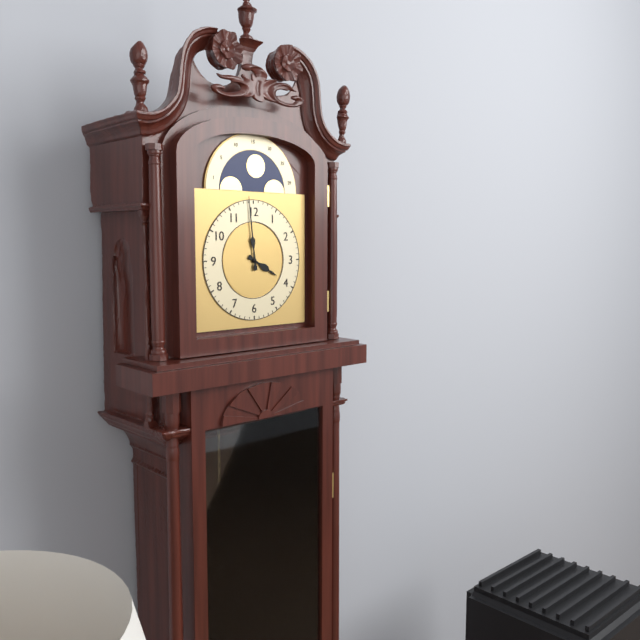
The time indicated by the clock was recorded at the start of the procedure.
3:59
